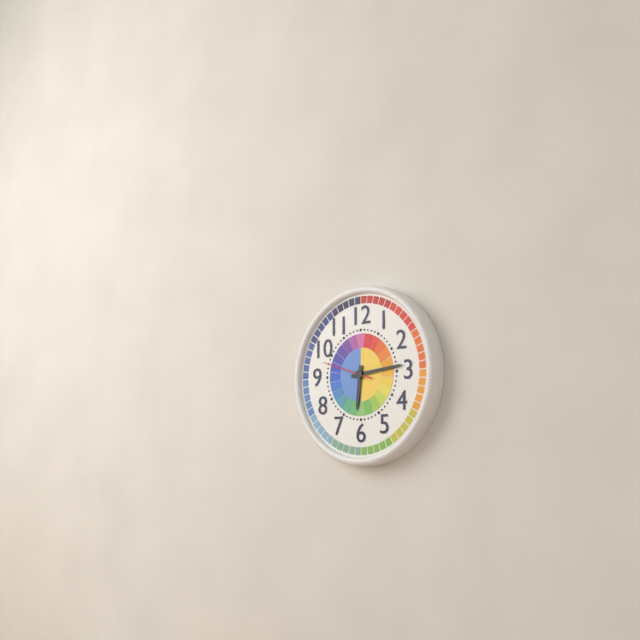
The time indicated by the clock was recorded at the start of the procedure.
6:14
